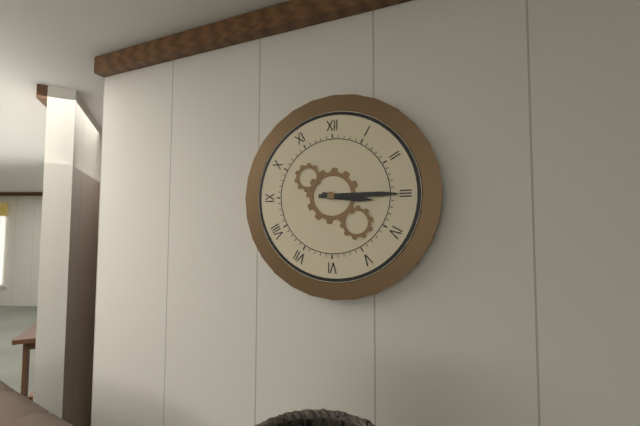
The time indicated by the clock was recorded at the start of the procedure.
3:15
